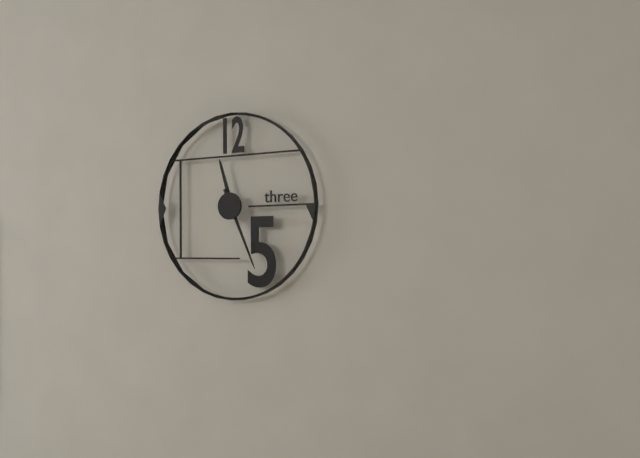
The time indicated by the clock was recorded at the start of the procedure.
11:26
